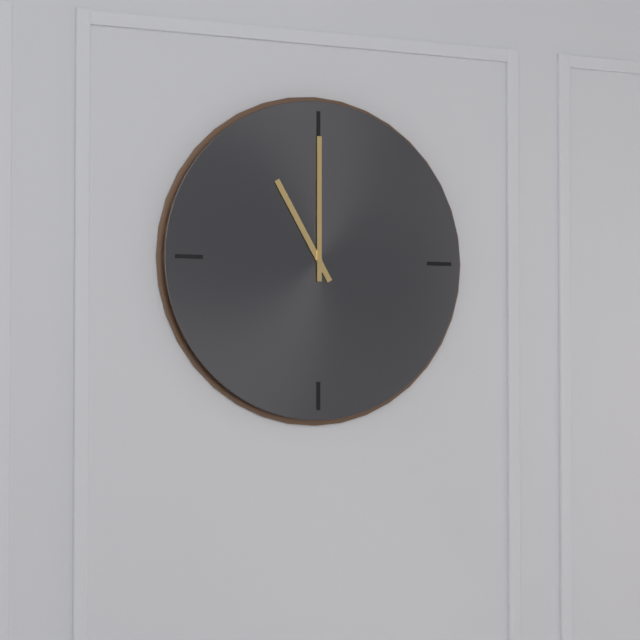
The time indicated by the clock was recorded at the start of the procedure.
11:00
